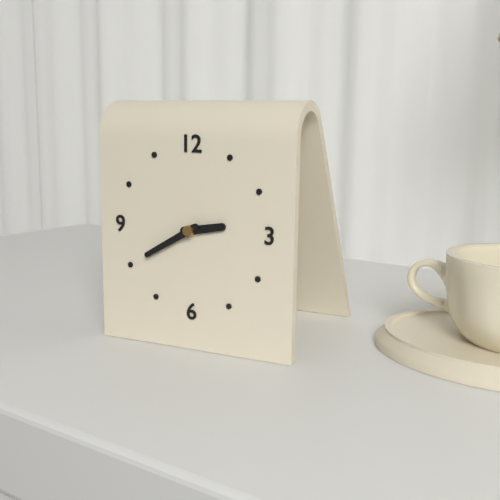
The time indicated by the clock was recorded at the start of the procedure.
2:40
